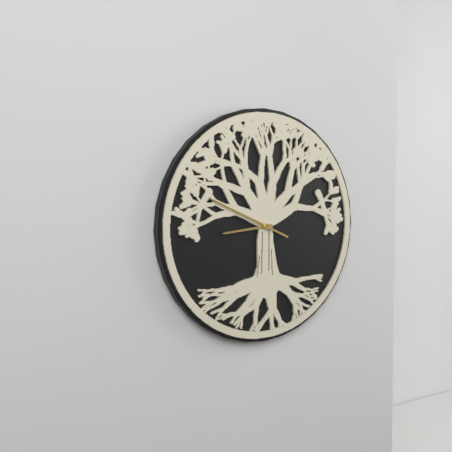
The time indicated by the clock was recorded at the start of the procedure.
8:49
